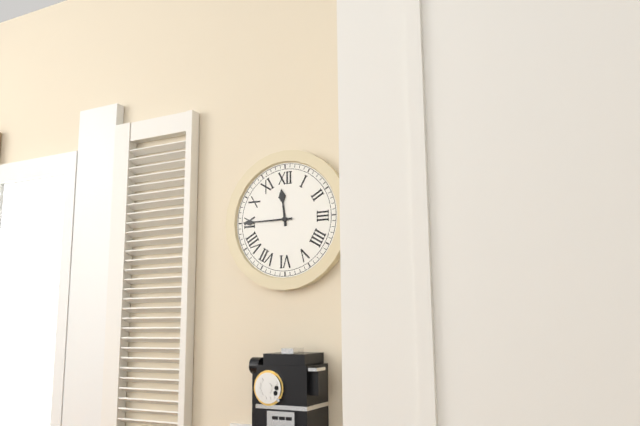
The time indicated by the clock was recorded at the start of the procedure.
11:45
